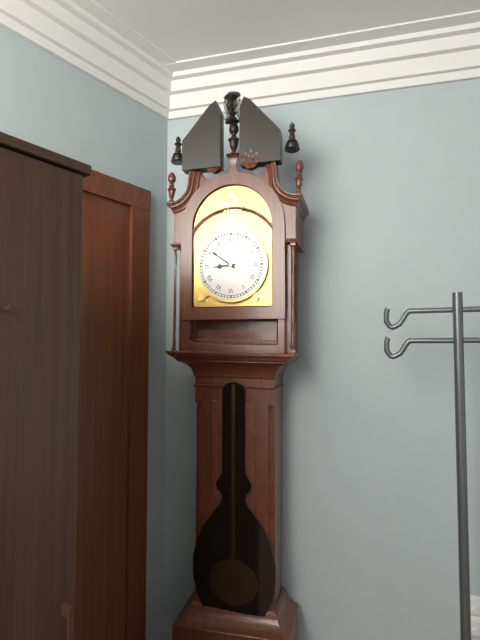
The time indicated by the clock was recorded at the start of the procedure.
8:51
